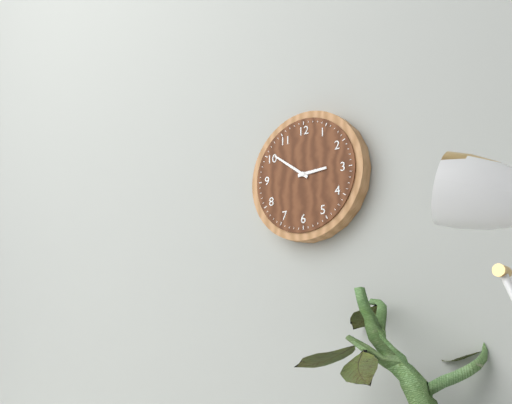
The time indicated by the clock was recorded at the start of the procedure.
2:51
